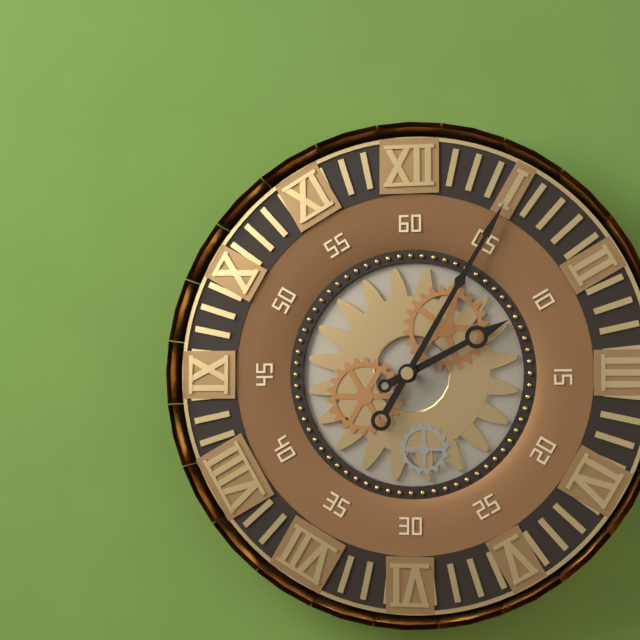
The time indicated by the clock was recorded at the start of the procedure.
2:05
